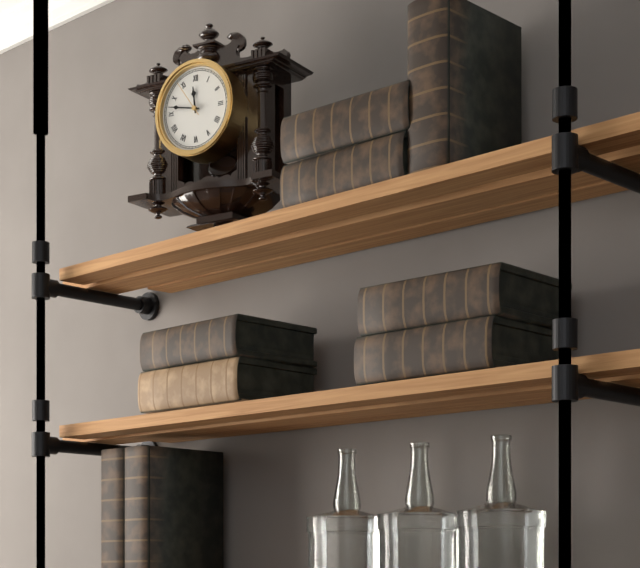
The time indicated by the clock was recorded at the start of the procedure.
11:47
